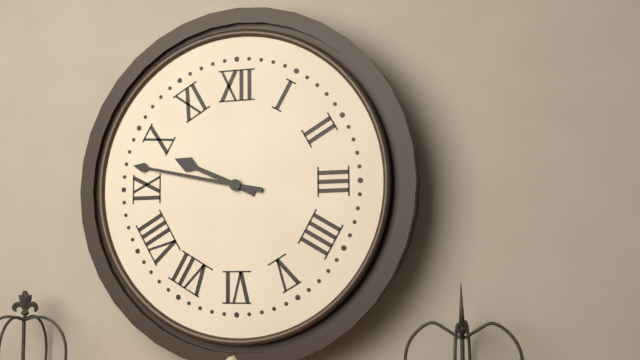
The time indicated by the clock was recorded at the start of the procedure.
9:47
